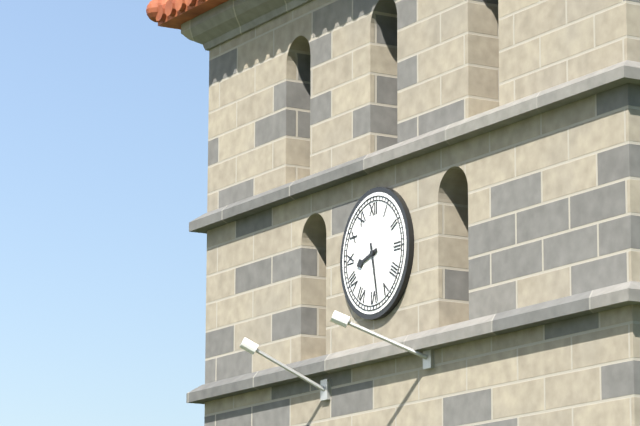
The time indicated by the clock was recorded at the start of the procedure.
8:28
